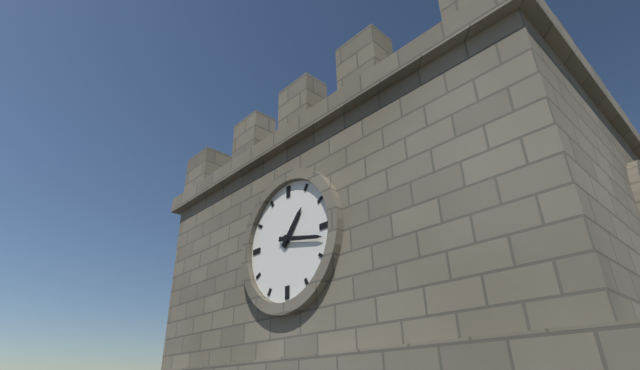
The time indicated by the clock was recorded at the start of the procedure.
1:17
